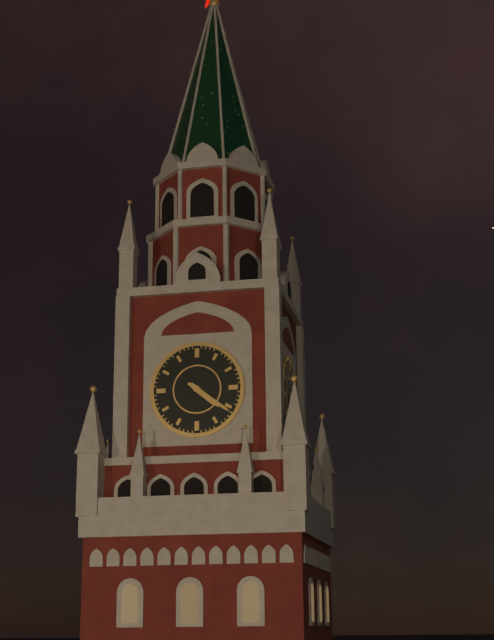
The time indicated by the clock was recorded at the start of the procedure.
4:21
